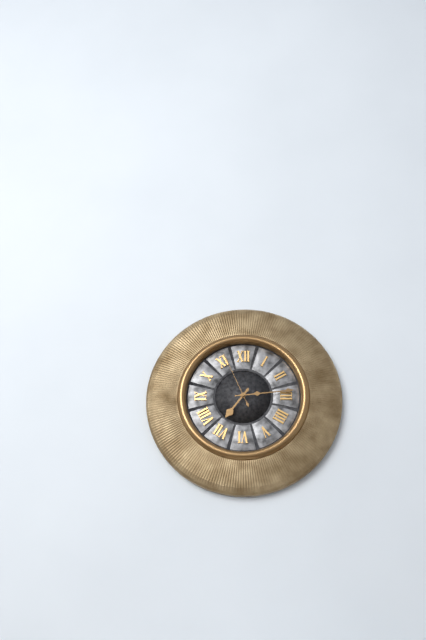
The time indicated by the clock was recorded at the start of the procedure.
7:14:56
